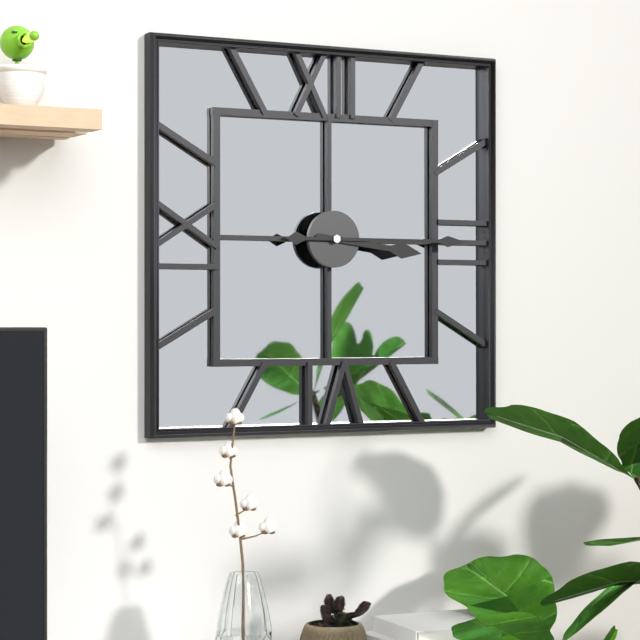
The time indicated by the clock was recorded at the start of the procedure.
3:15
